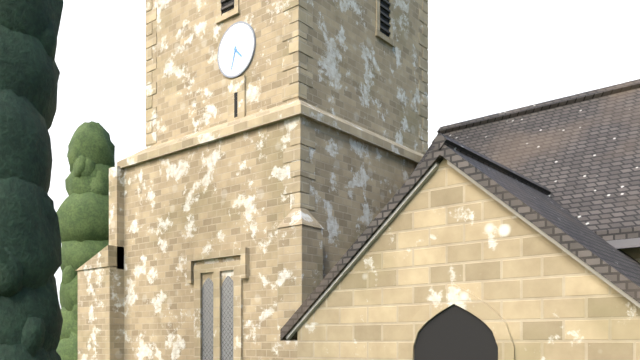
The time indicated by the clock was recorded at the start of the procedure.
4:33
